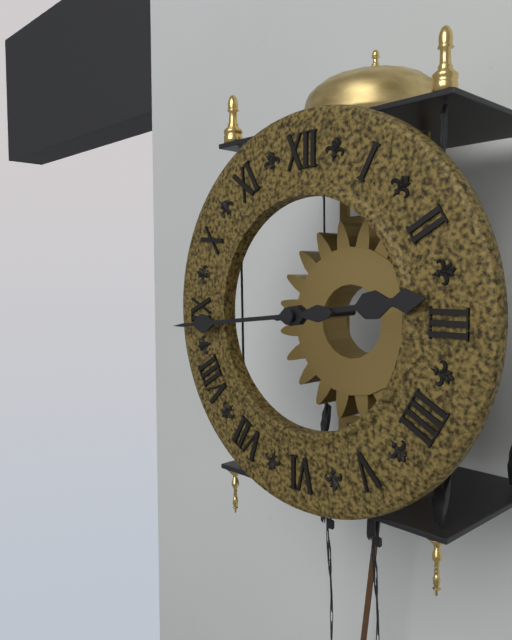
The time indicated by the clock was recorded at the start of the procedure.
2:44
